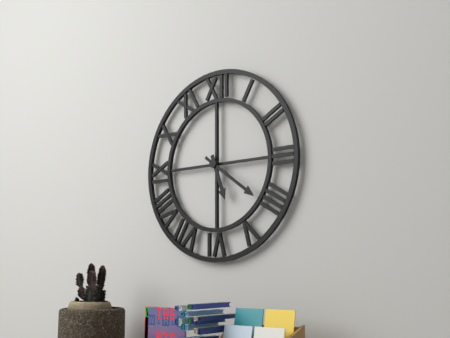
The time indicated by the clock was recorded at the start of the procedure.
5:21
